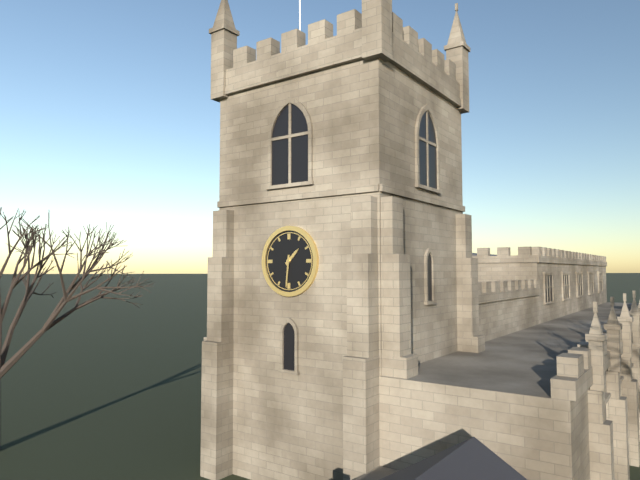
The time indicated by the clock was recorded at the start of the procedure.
1:31
